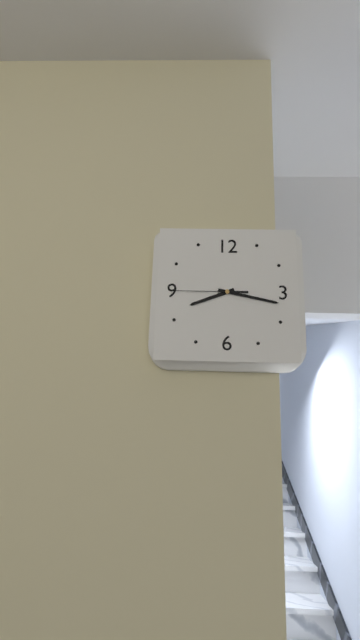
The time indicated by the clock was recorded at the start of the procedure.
8:17:45
